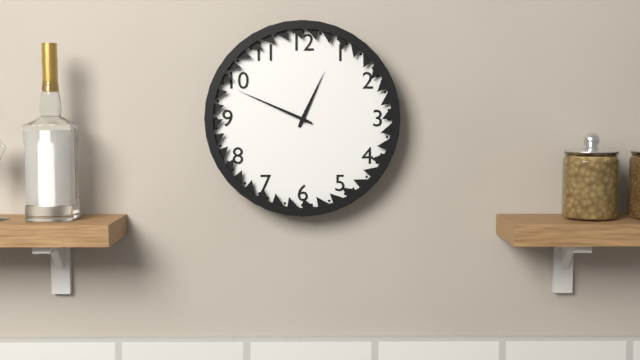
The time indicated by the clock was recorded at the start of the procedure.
12:49
